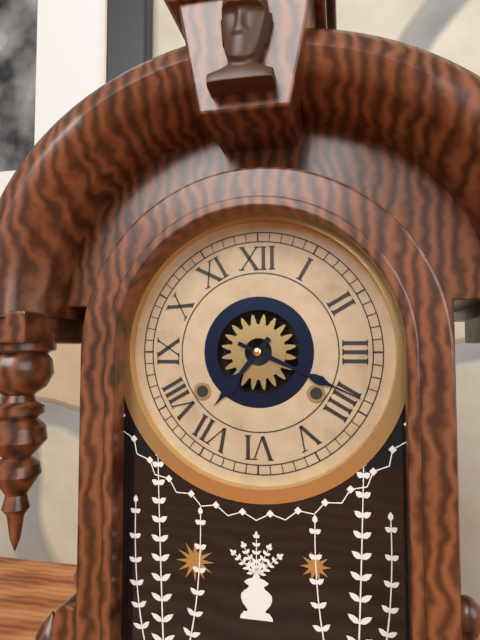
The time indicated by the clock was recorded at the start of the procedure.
7:19
